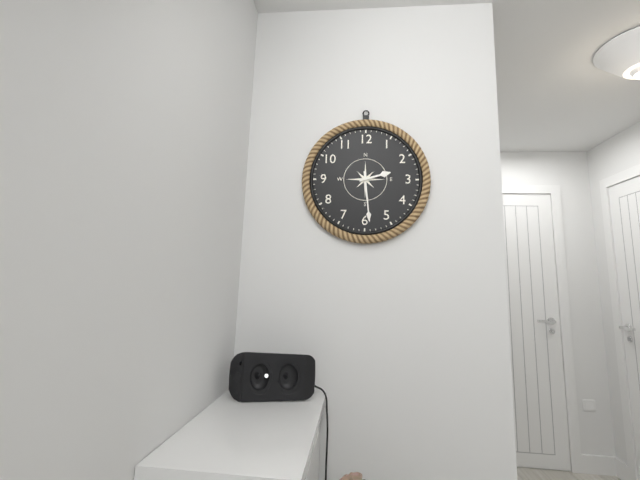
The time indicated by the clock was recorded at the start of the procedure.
2:29
